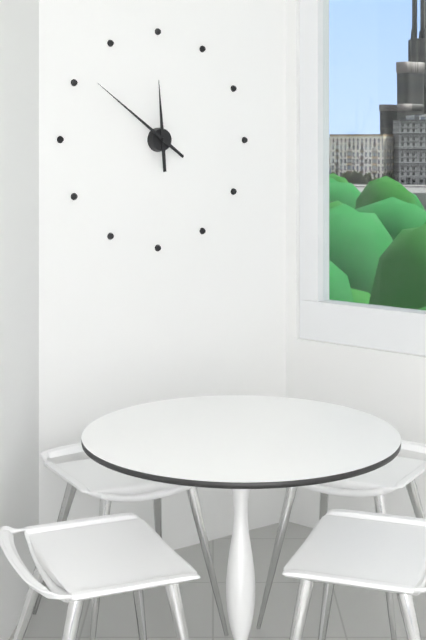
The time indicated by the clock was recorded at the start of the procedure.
11:51
